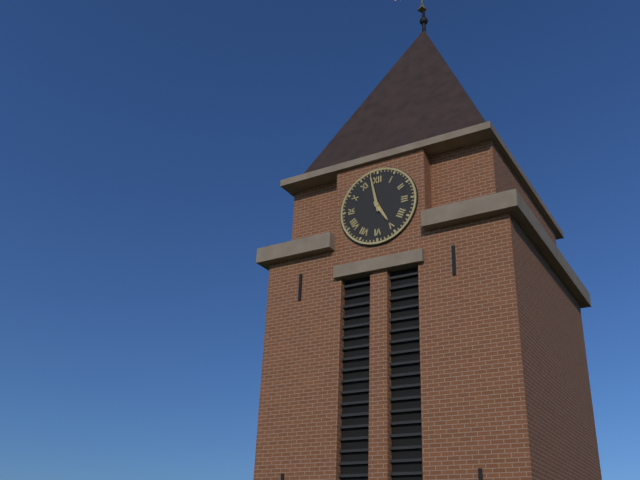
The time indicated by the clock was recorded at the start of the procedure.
4:58
